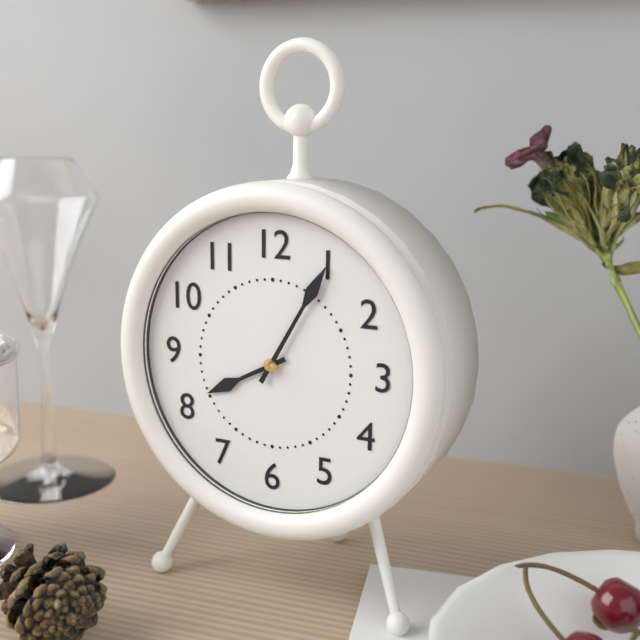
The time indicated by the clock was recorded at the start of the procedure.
8:05
